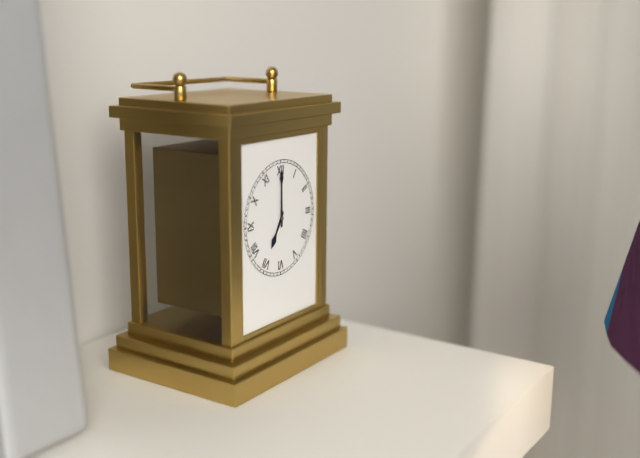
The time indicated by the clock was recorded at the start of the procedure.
7:00
